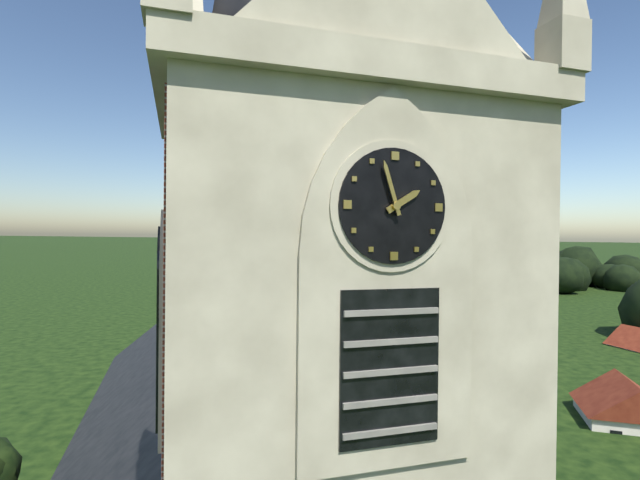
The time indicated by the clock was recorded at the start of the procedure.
1:57
